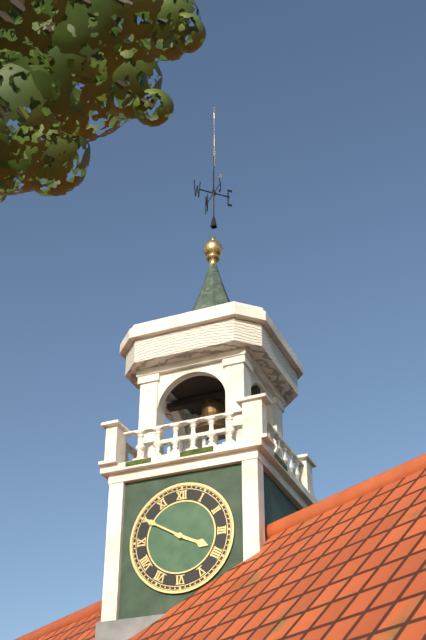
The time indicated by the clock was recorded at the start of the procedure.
3:50
